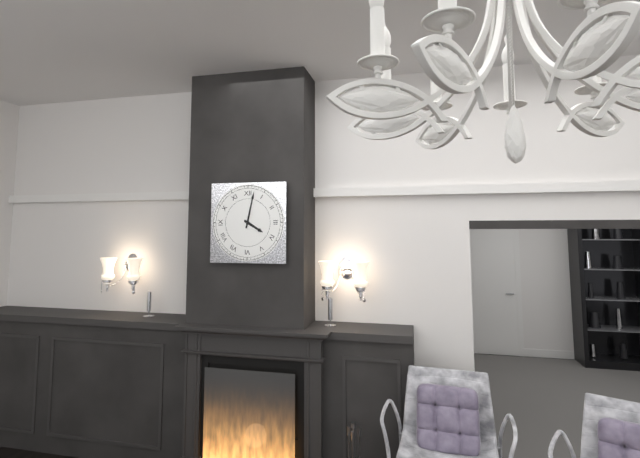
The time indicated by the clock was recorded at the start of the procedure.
4:02
